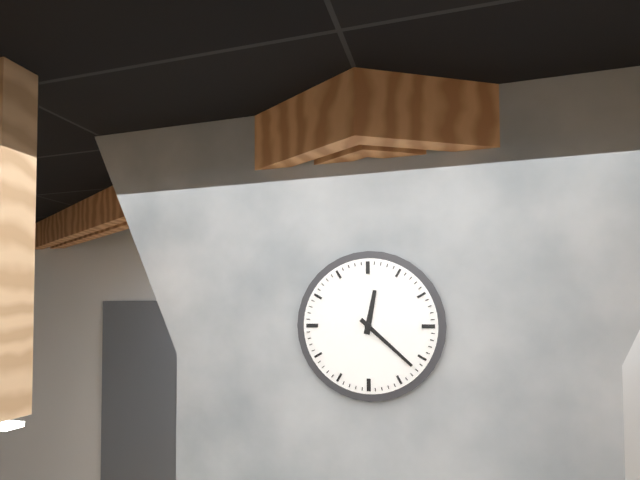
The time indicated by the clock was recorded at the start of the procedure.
12:22
